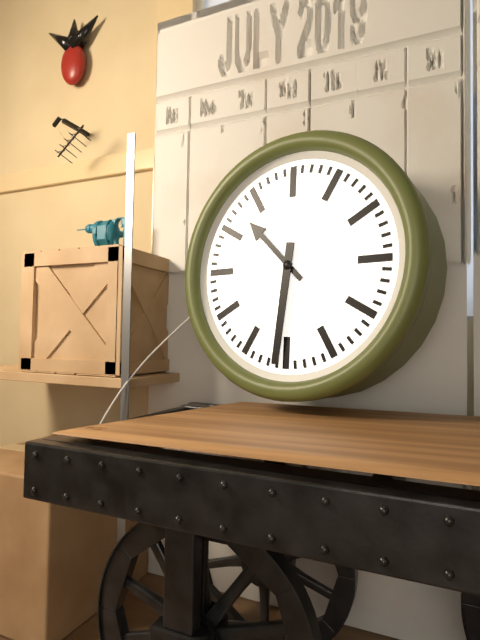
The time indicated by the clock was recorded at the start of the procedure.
10:31
